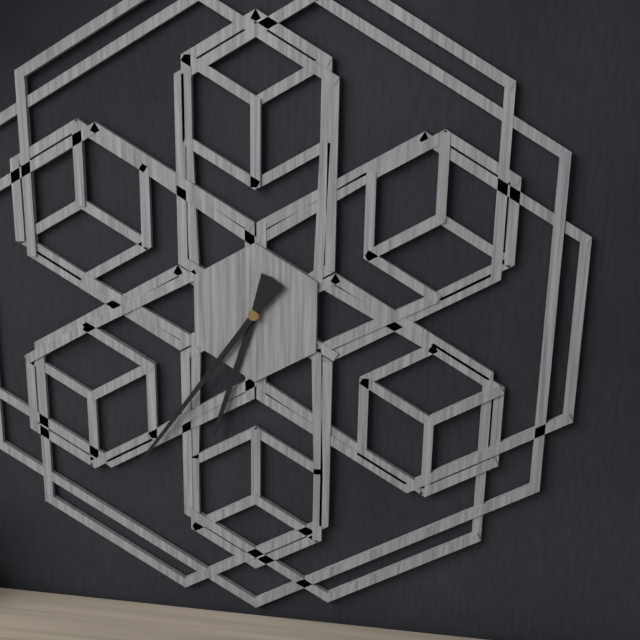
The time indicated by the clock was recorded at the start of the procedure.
6:36
